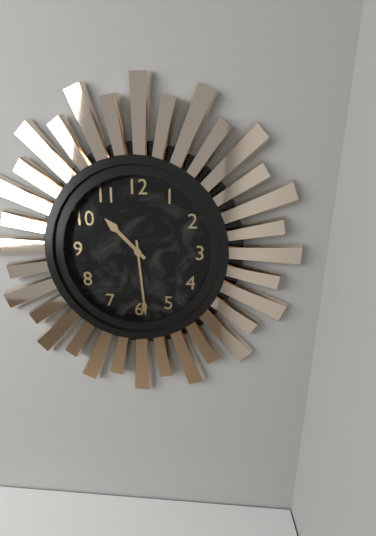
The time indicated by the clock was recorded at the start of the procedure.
10:29
